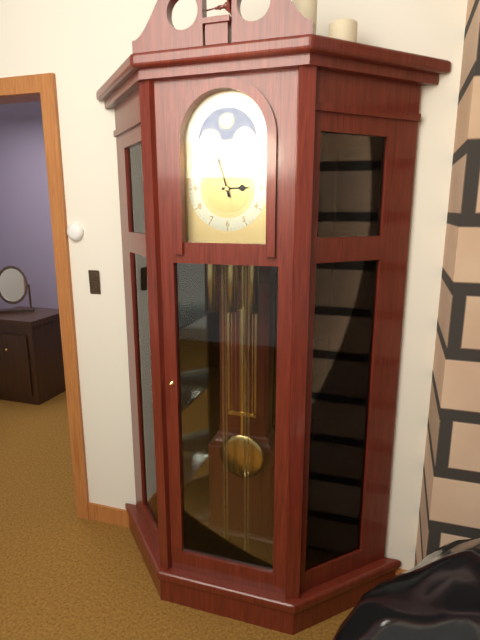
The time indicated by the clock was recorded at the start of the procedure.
2:57
